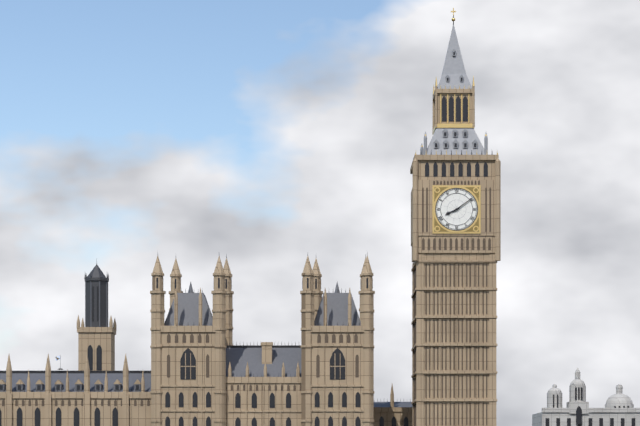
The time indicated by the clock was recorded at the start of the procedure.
8:09
